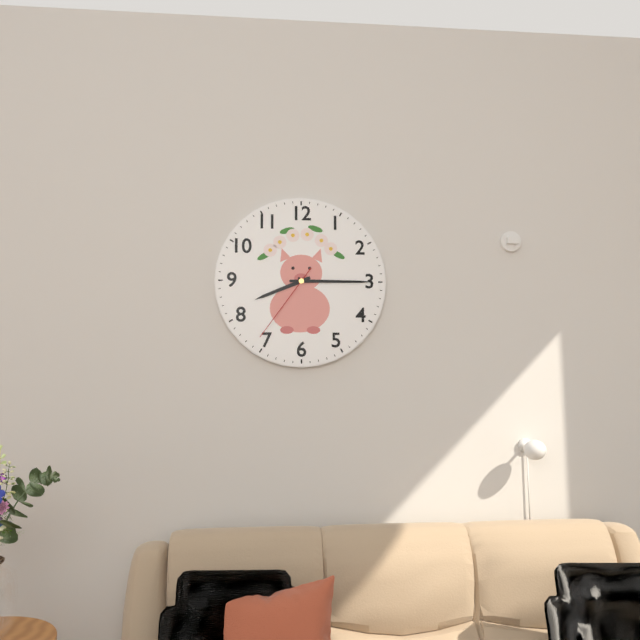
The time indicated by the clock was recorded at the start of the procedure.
8:15:36
